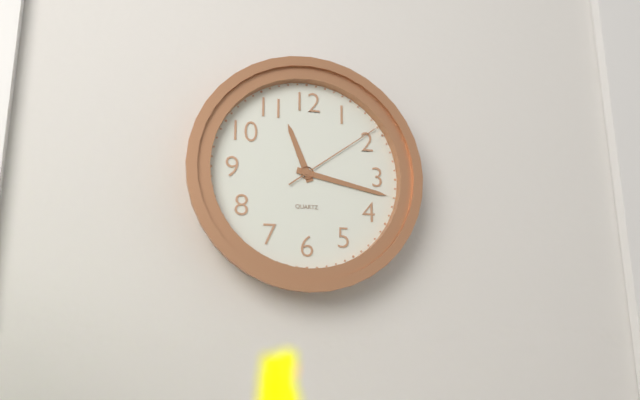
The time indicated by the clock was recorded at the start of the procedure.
11:17:09
